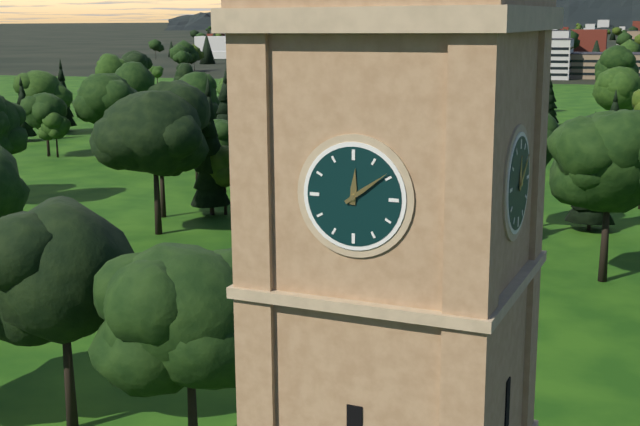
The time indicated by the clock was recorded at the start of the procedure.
12:09
